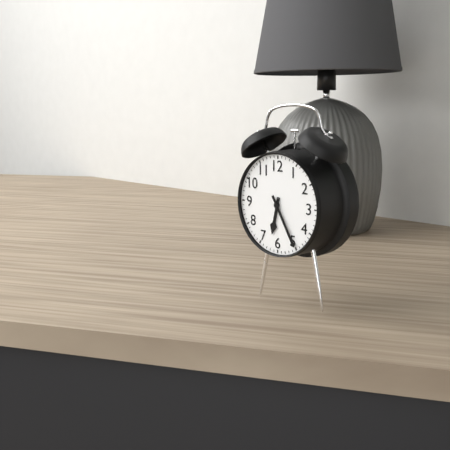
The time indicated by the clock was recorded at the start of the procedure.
6:25
